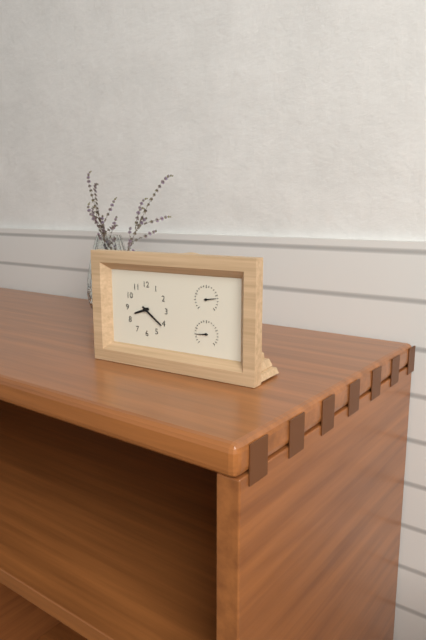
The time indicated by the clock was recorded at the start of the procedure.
8:21
